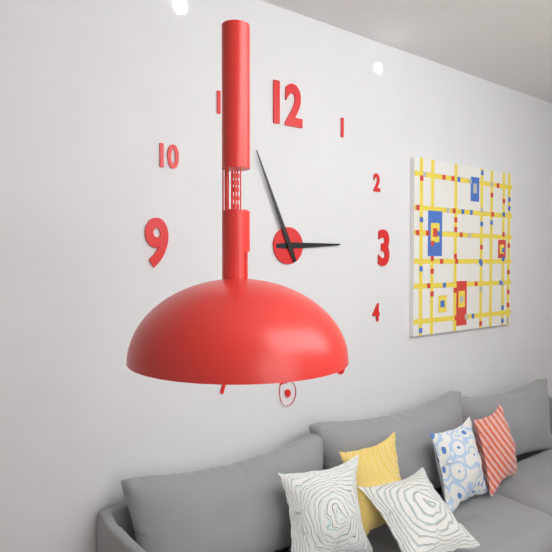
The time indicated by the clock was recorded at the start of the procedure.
2:56
